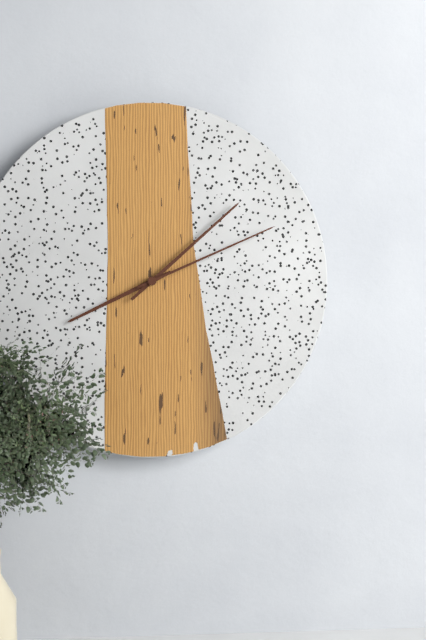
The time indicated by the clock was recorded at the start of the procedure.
8:08:11
